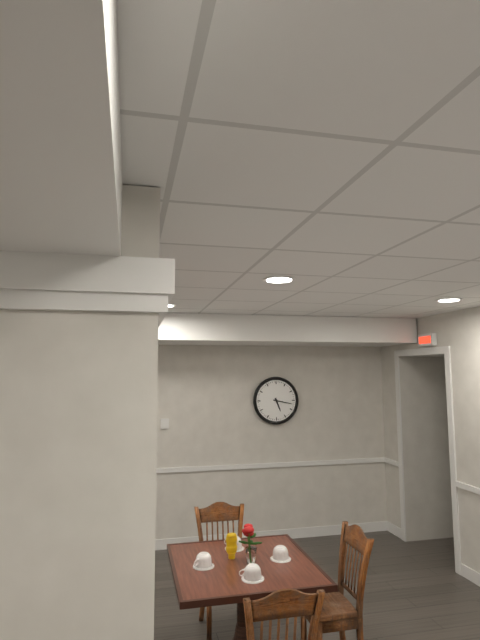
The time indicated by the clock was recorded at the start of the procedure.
5:17
